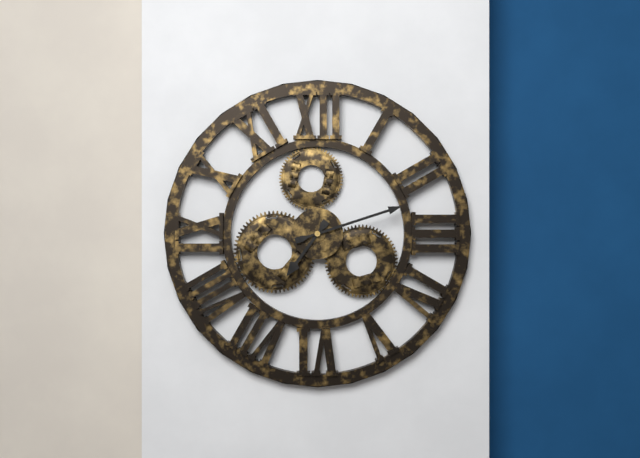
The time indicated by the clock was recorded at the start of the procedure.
7:12
